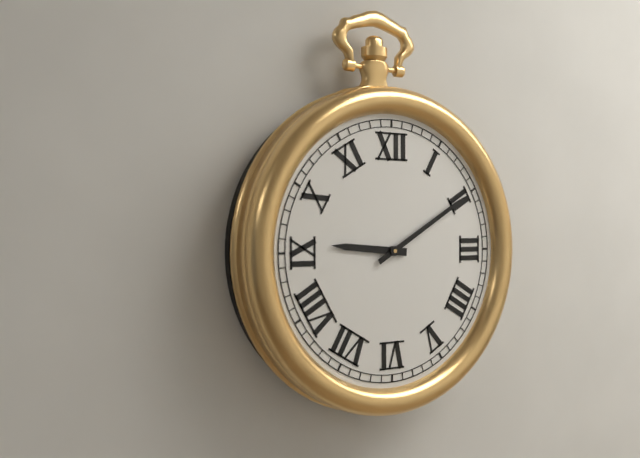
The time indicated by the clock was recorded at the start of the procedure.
9:10
